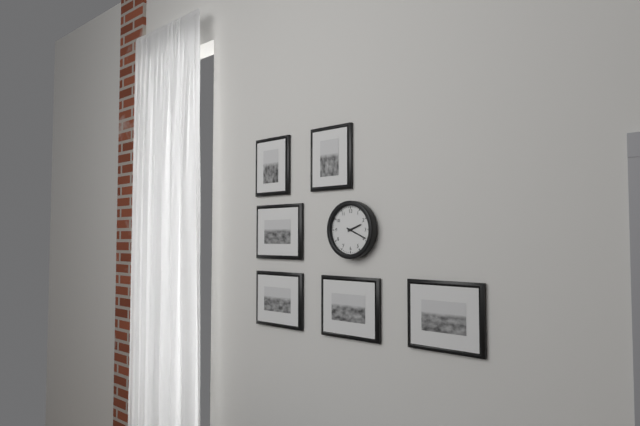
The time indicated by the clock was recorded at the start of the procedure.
2:19
